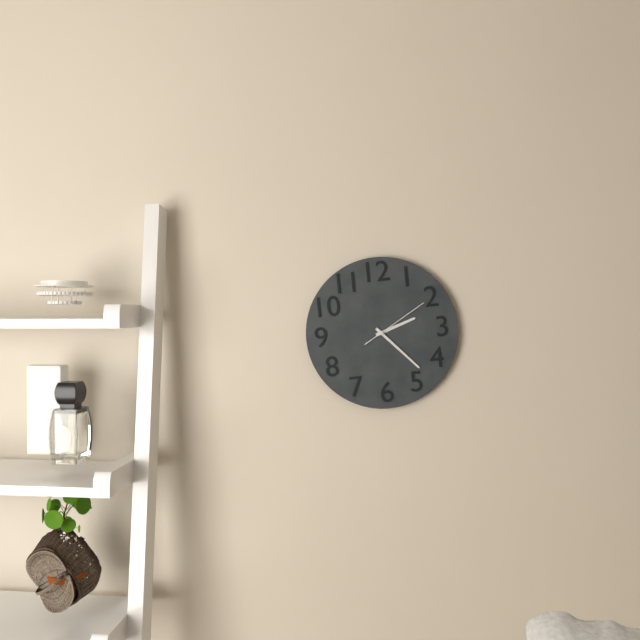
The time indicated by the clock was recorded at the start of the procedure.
2:23:10
